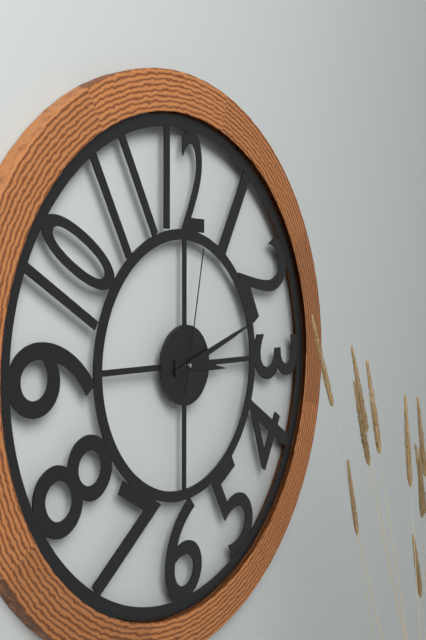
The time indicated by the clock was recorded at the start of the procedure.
3:12:02
